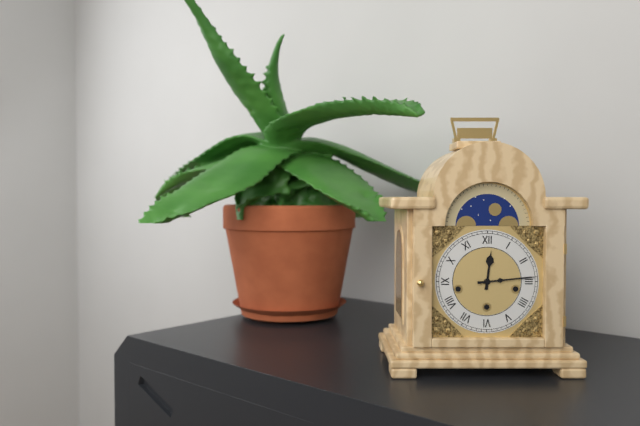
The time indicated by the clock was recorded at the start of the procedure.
12:14
